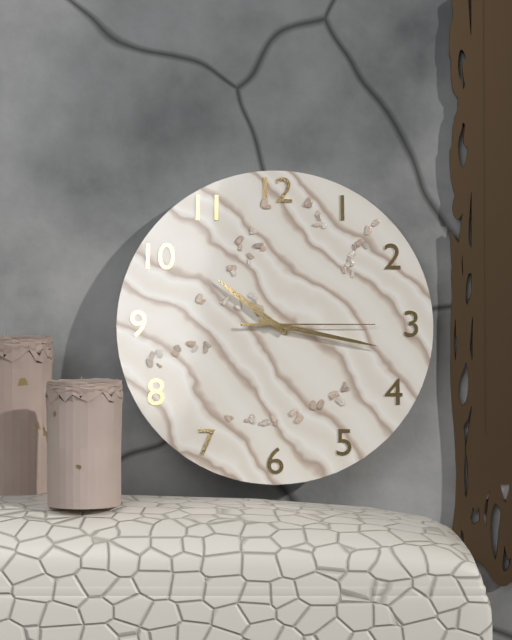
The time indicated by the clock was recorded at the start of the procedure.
10:17:15
